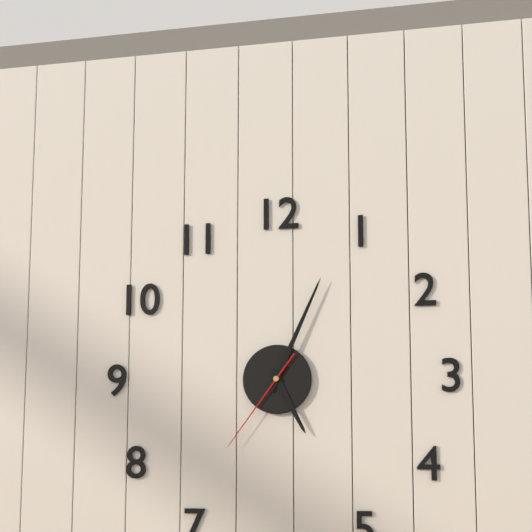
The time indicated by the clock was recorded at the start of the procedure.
5:04:36
